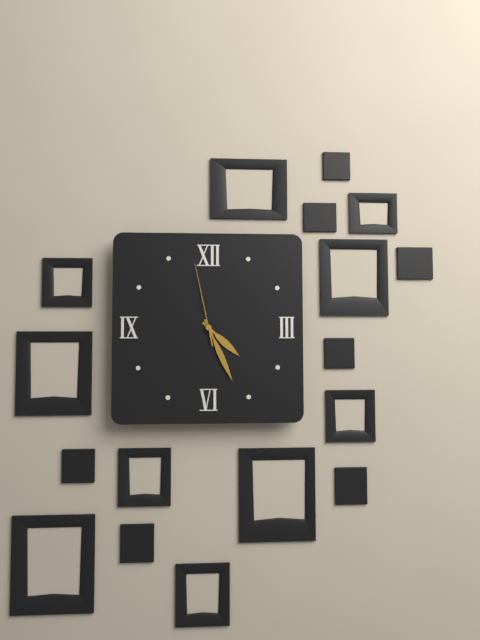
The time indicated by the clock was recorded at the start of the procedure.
4:26:58
